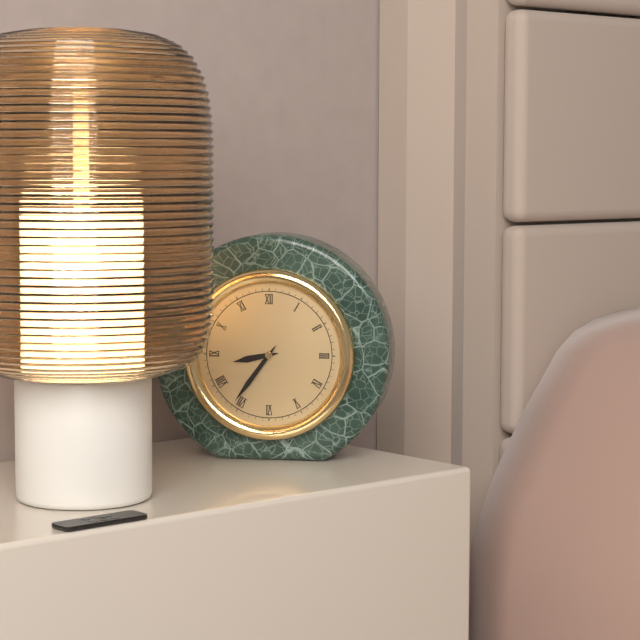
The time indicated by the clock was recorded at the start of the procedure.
8:36
